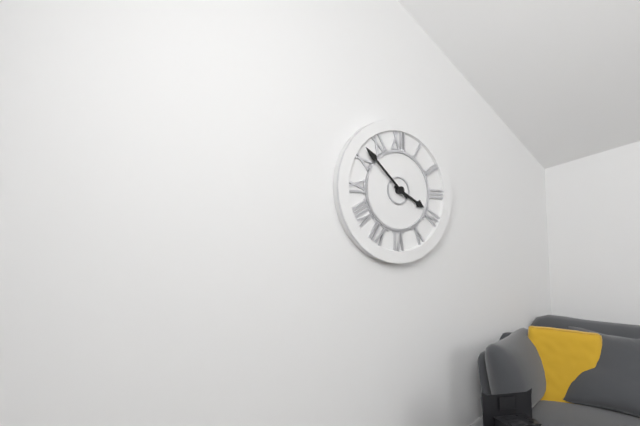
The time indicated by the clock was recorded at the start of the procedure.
3:52
